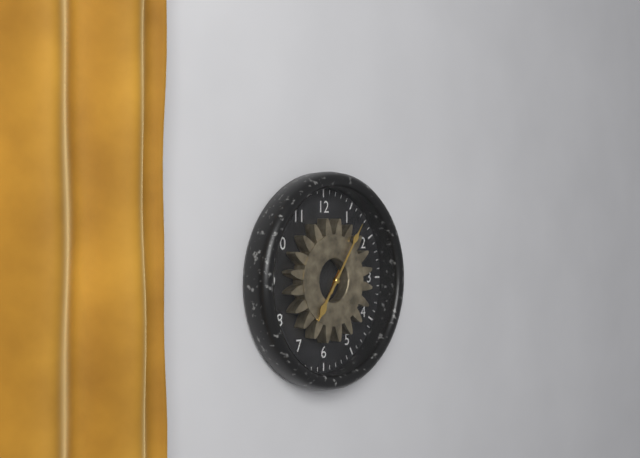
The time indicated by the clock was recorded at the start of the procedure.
7:06
